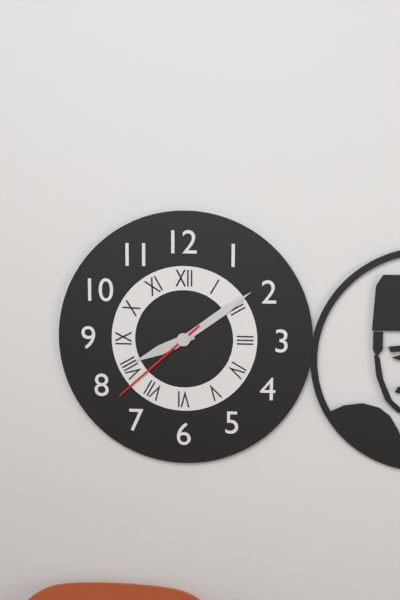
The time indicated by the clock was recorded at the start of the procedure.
8:09:38
